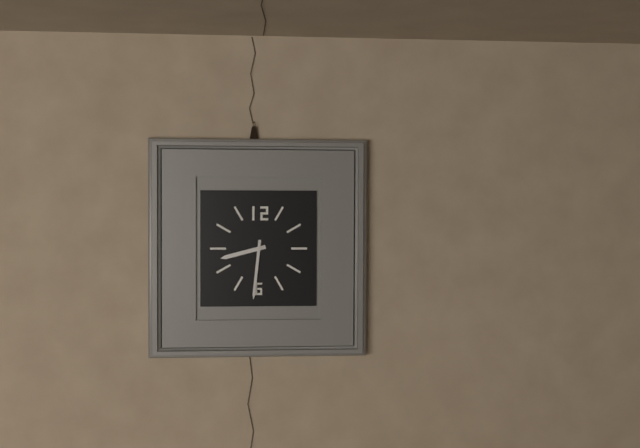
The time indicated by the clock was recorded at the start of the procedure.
8:31
